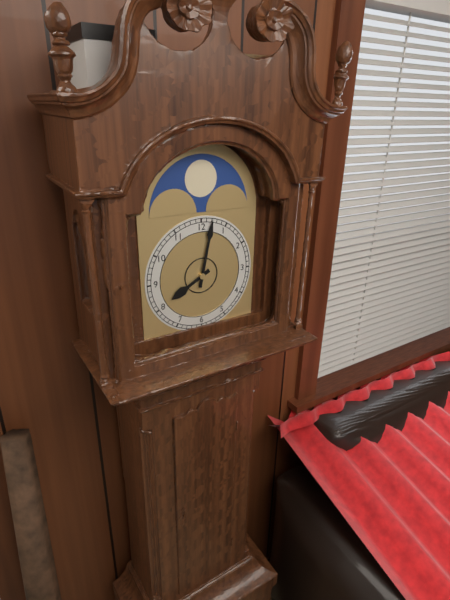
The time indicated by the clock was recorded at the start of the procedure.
8:02
